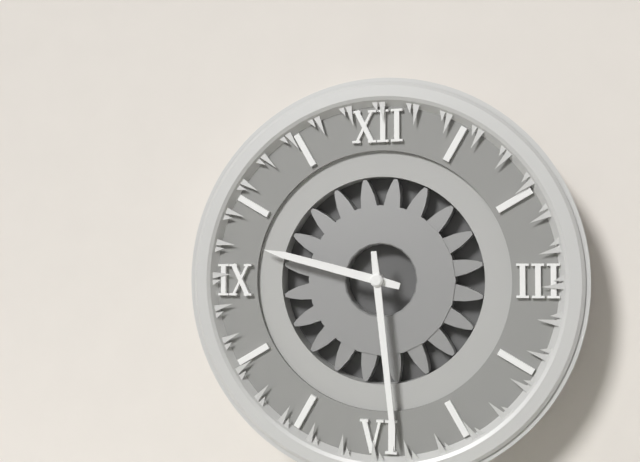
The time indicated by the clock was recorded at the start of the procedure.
9:29
